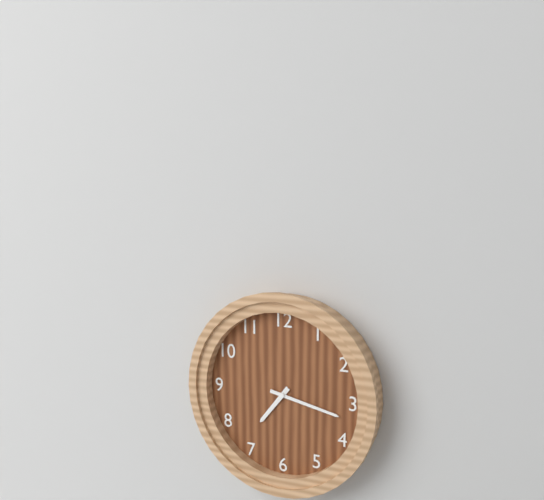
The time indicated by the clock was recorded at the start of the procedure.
7:17
